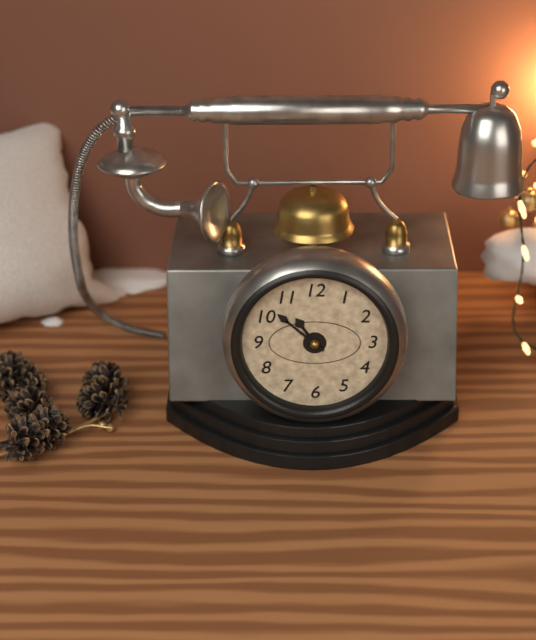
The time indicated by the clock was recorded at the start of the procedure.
10:52
